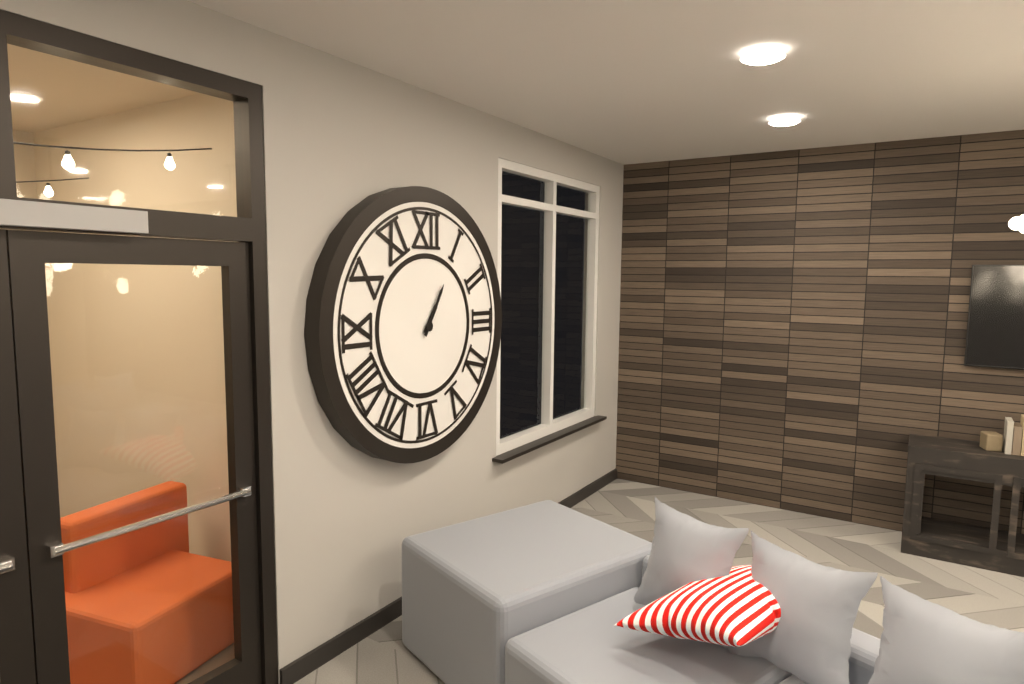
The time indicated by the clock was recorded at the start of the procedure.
1:05
